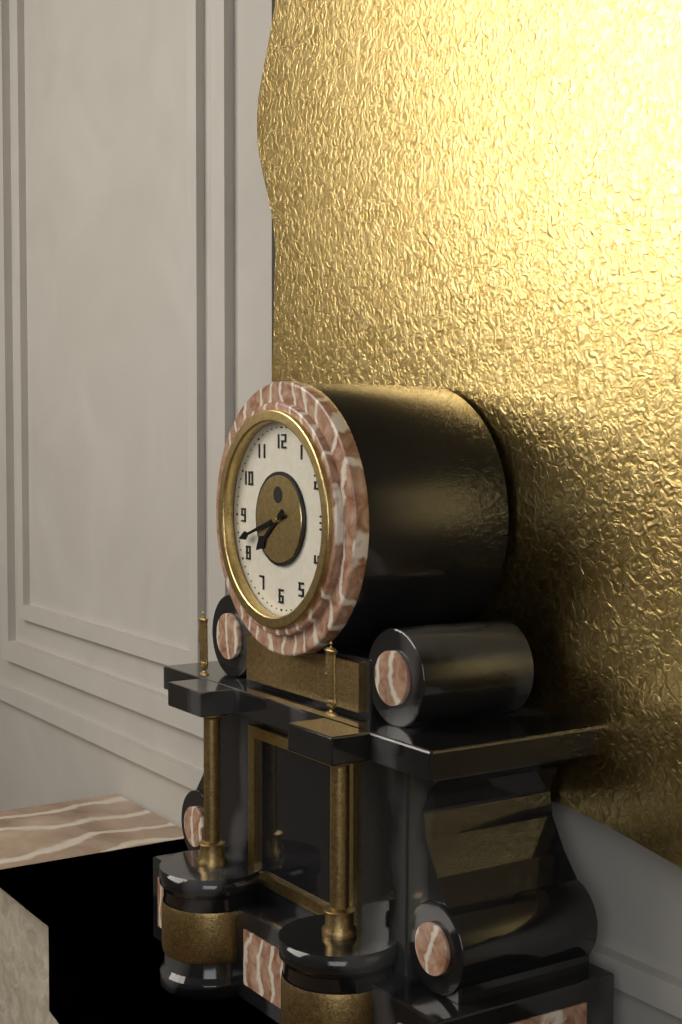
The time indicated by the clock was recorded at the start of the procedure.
7:42
